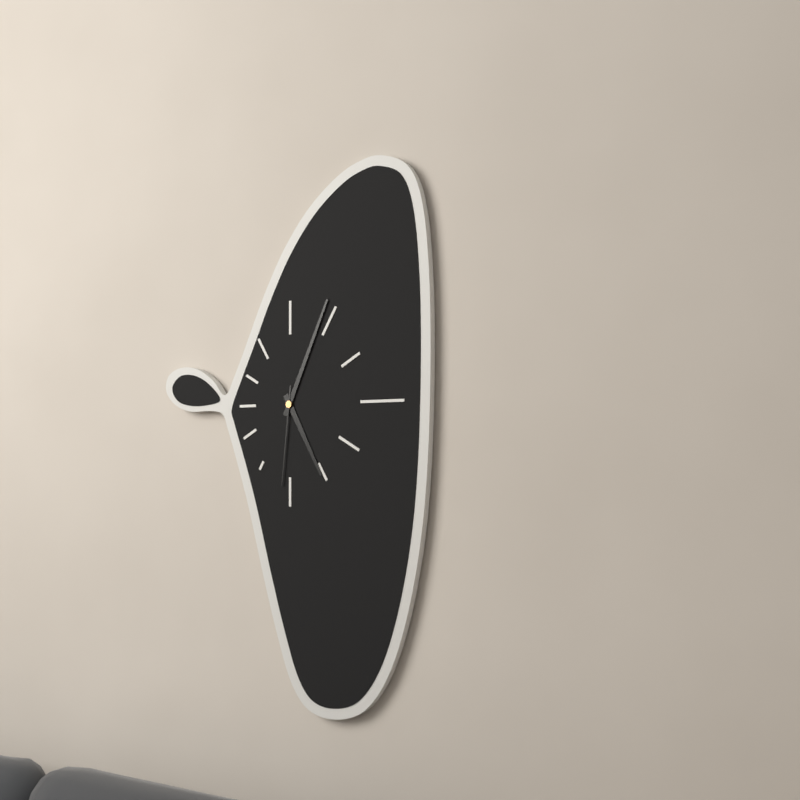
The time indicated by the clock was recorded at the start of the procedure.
5:04:31
